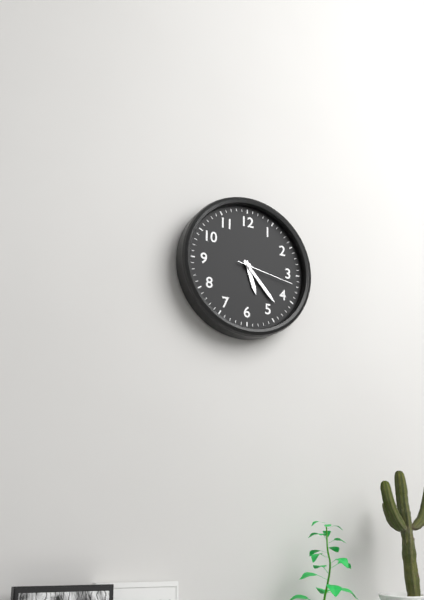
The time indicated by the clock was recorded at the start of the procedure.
5:23:17
